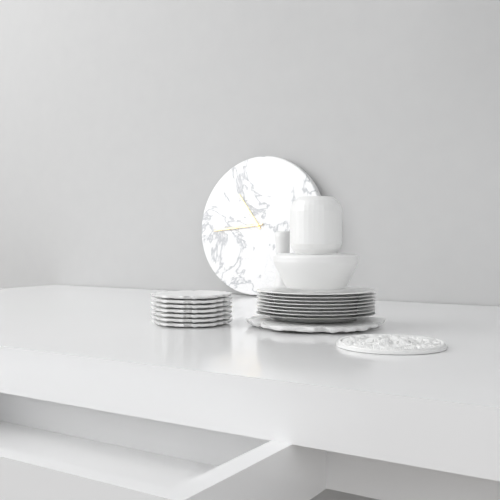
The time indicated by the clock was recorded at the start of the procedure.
10:44
